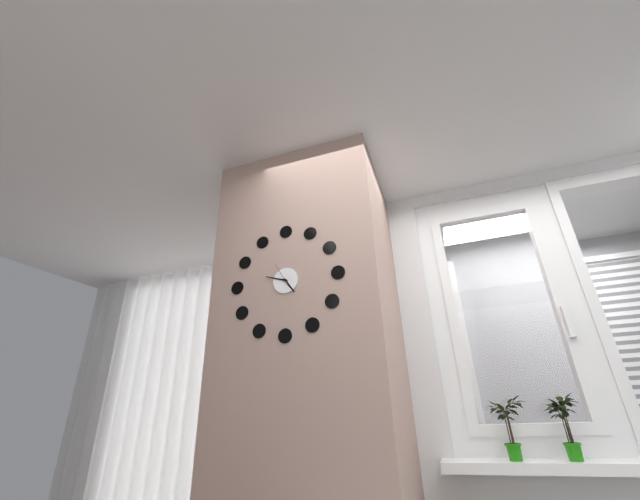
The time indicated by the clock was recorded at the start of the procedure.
4:48
